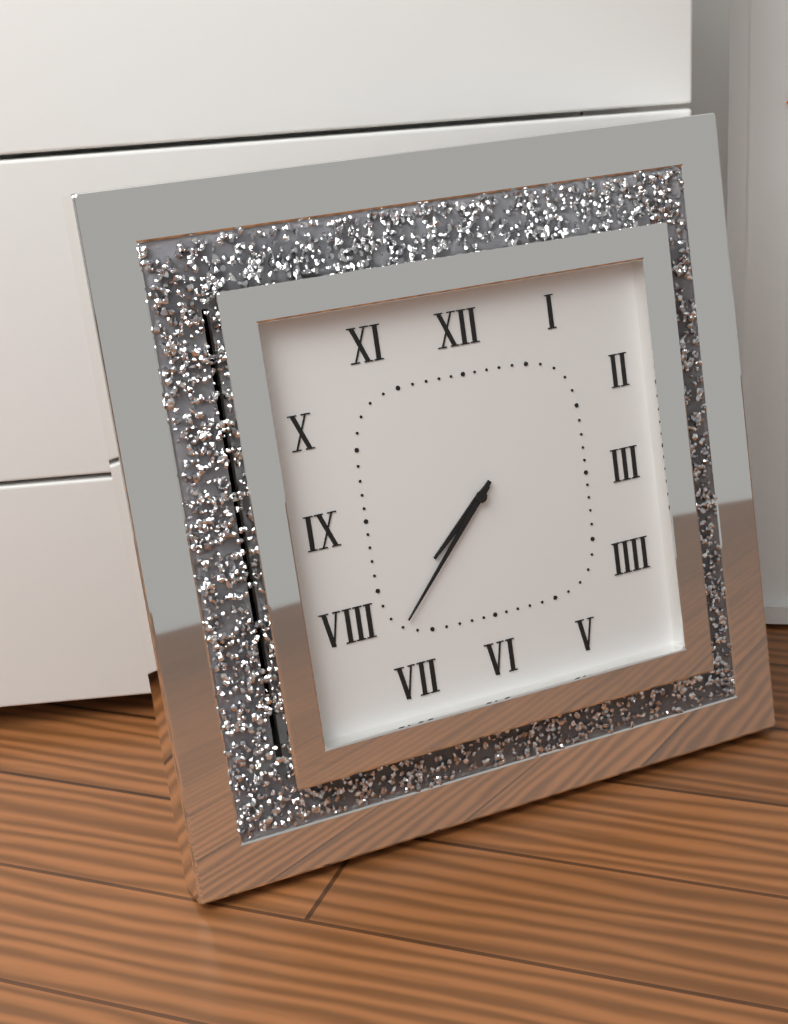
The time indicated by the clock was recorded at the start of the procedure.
7:37
